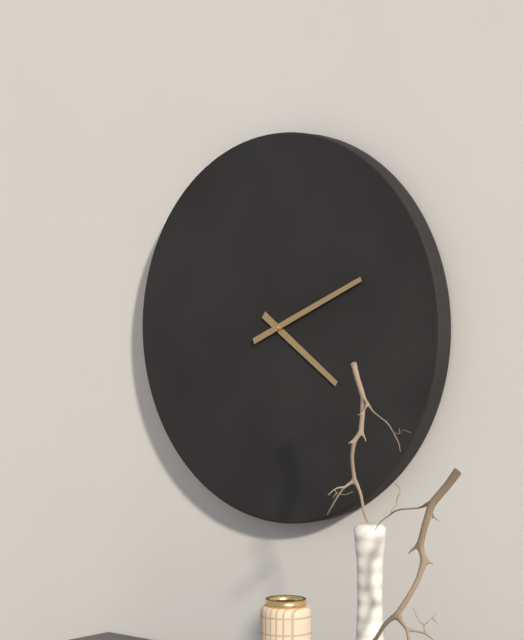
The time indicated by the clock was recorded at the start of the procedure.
4:11
